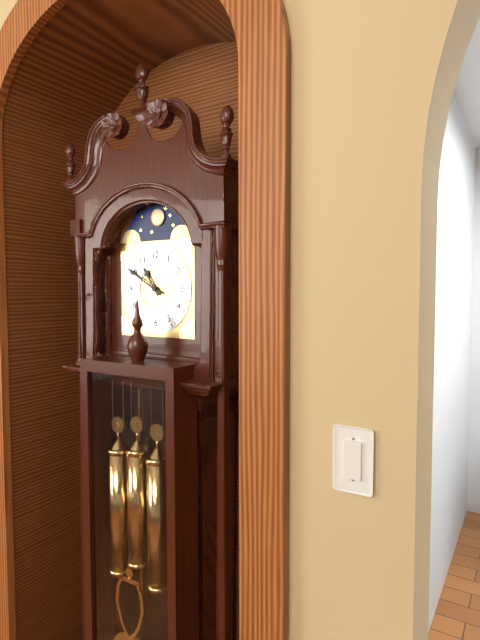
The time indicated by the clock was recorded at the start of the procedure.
10:50
